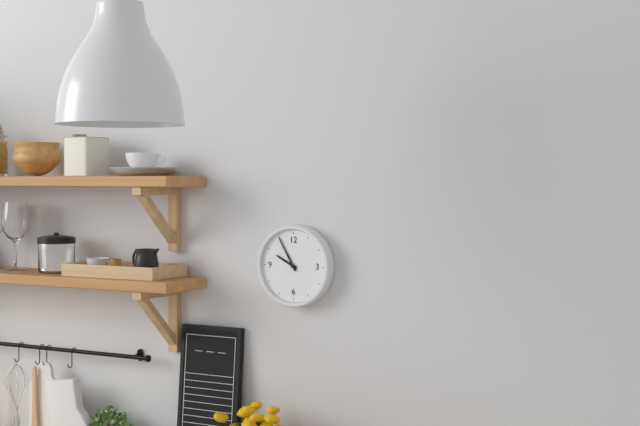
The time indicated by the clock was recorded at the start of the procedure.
9:55
